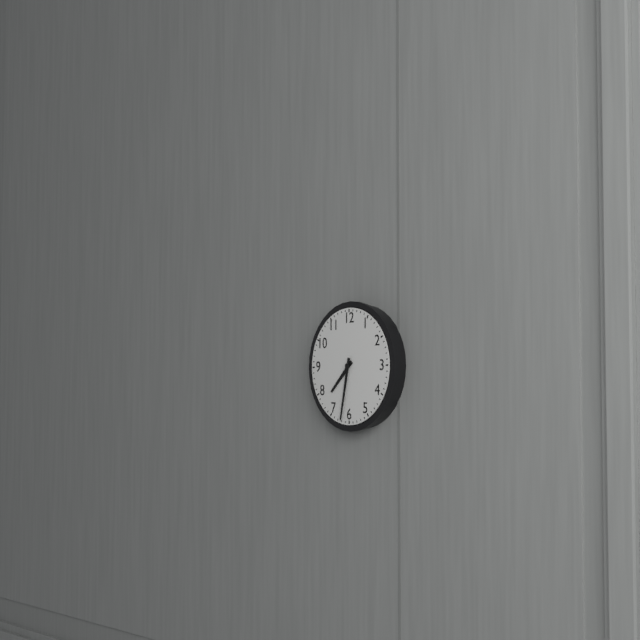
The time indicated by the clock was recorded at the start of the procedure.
7:32
